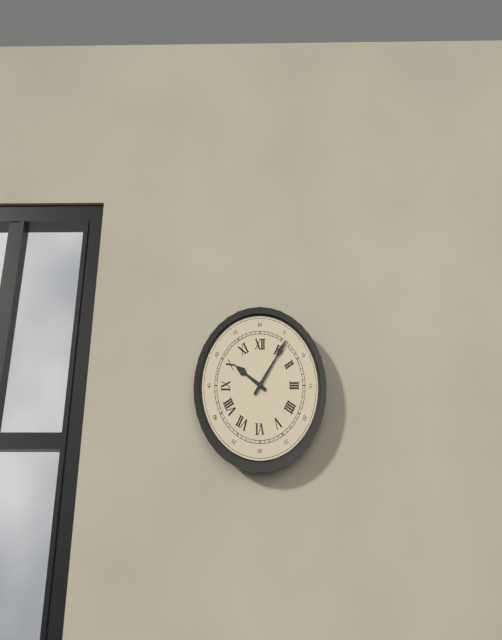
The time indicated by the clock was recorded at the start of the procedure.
10:06
